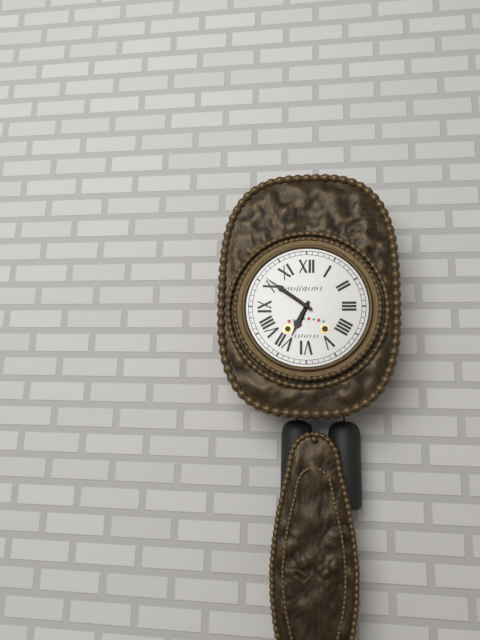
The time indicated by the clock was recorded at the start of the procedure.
6:51
